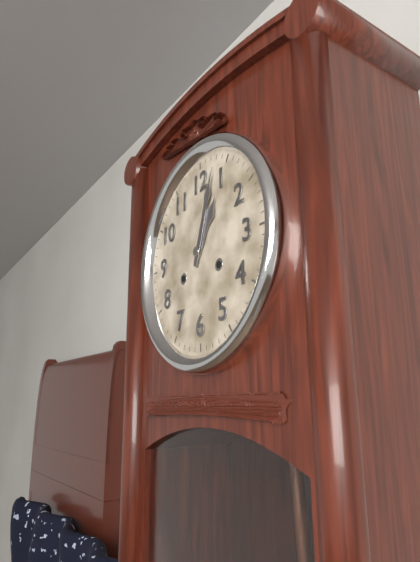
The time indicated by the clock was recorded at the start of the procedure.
1:03
